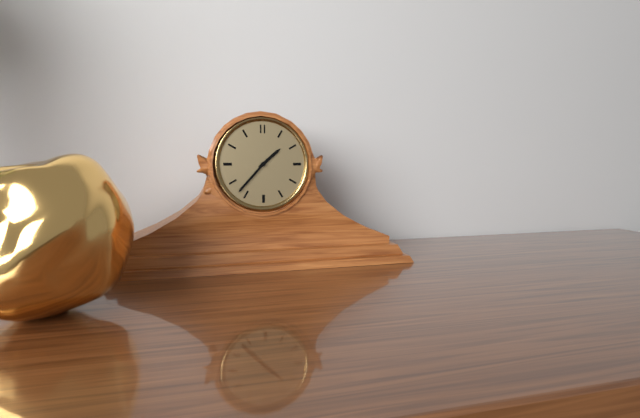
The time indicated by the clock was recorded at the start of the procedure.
1:37
